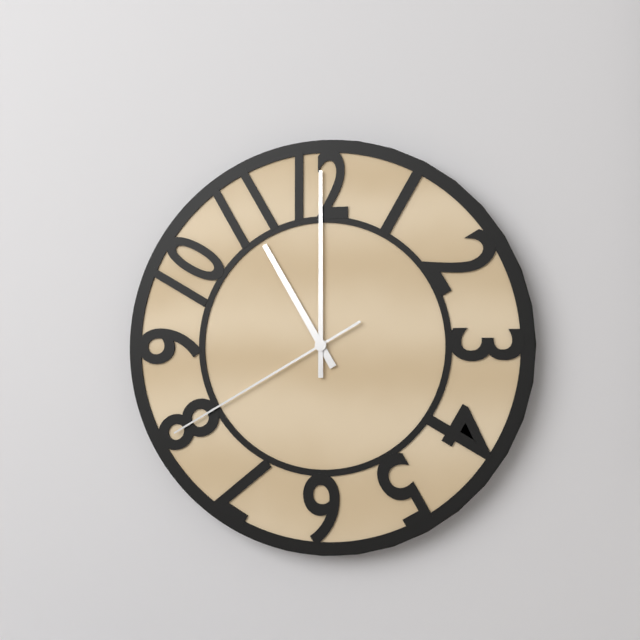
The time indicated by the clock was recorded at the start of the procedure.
11:00:40
